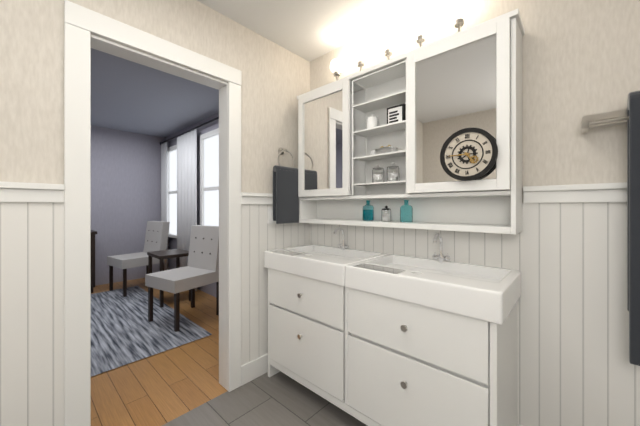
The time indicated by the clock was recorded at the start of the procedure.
4:45
